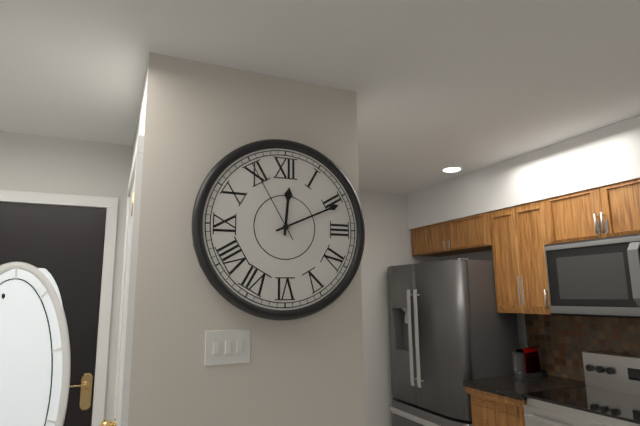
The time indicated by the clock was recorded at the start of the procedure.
12:11:55
